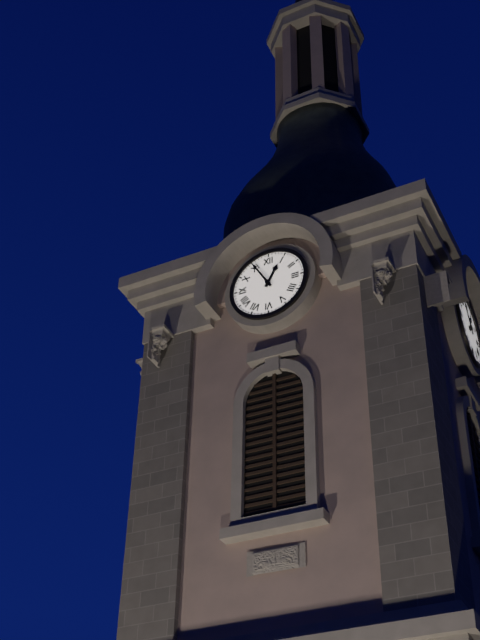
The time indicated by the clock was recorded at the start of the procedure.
12:55
